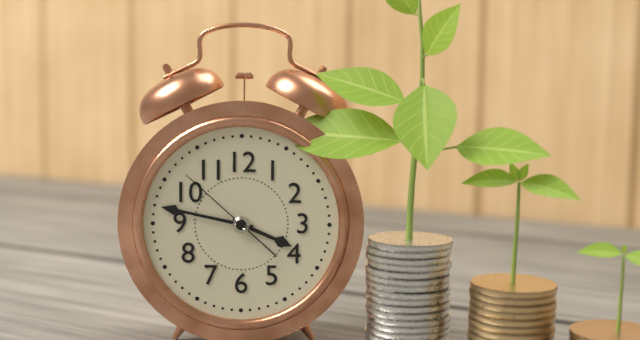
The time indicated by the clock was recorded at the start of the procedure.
3:47:52
